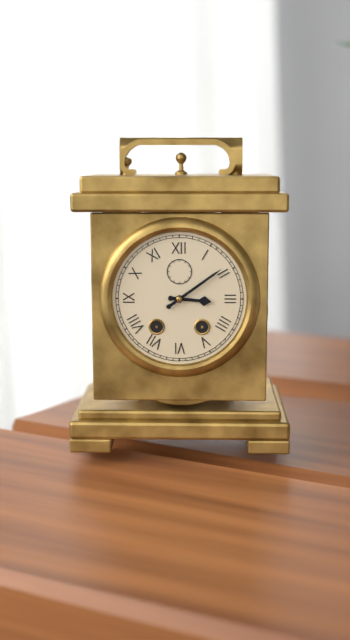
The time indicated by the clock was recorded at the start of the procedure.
3:09
